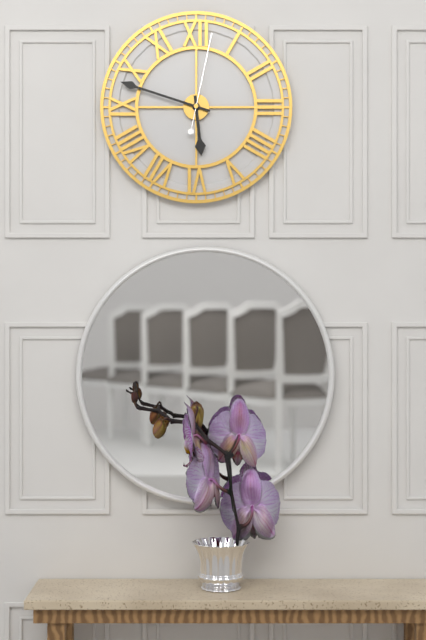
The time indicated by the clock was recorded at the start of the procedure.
5:48:02
